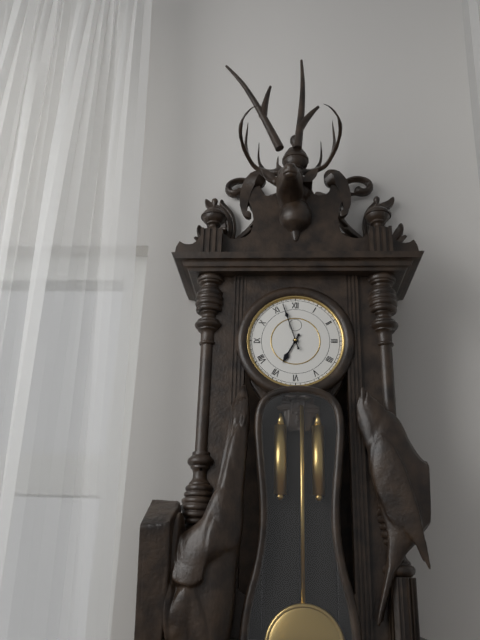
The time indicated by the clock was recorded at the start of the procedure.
6:57
